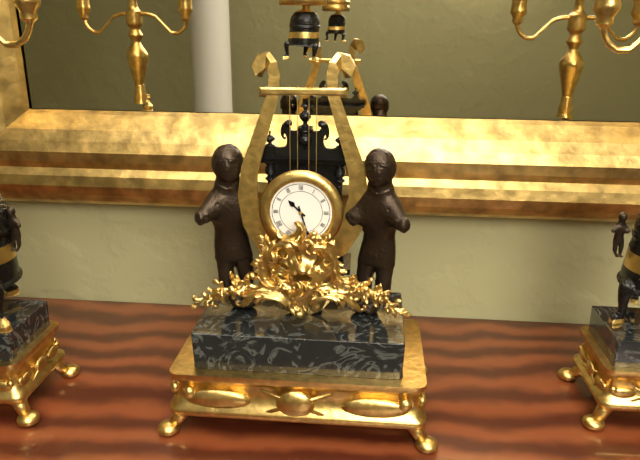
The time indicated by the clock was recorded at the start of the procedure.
10:27
